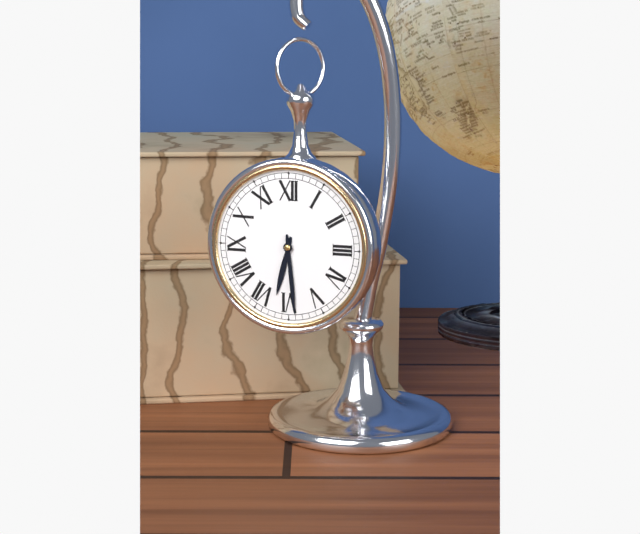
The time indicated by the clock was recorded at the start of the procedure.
6:29
